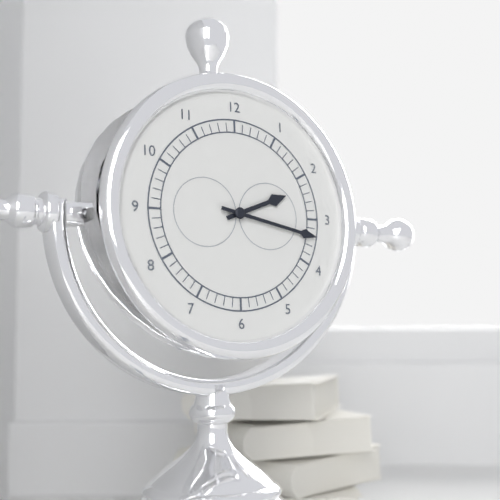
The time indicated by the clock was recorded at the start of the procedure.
2:17
